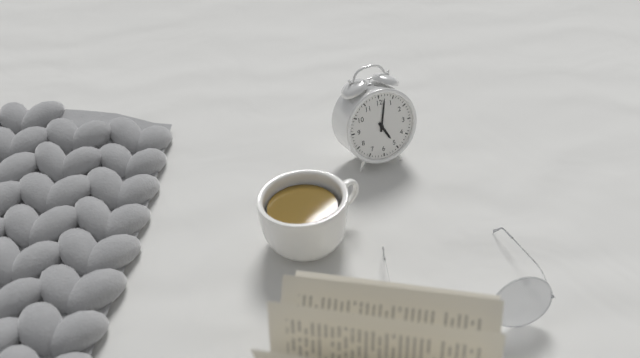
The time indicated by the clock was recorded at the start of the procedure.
5:02
